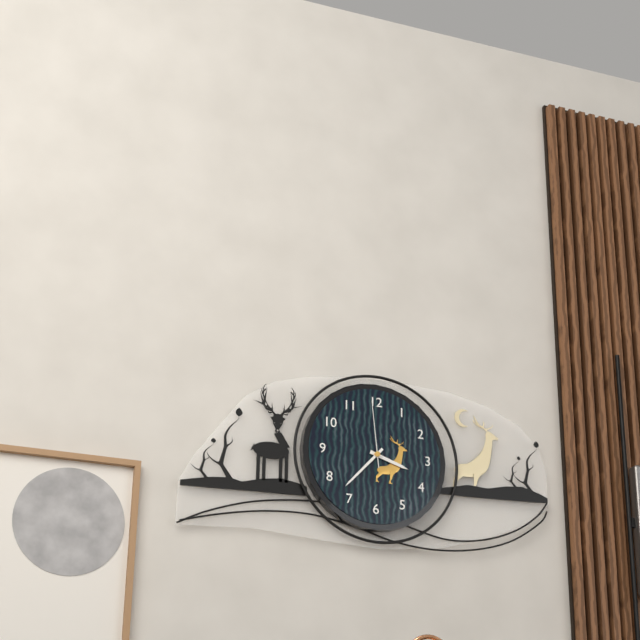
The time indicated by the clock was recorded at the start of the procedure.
3:37:59
